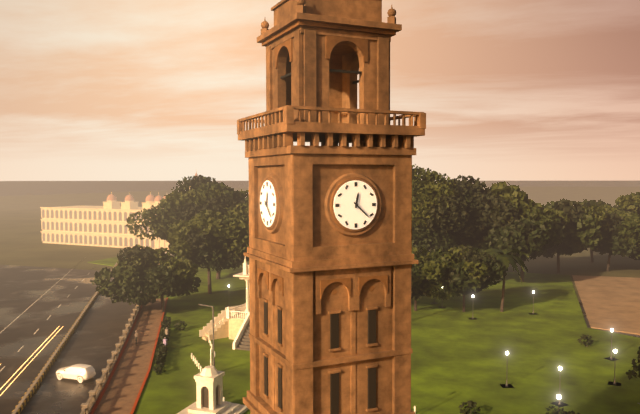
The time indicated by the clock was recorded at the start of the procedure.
12:22
